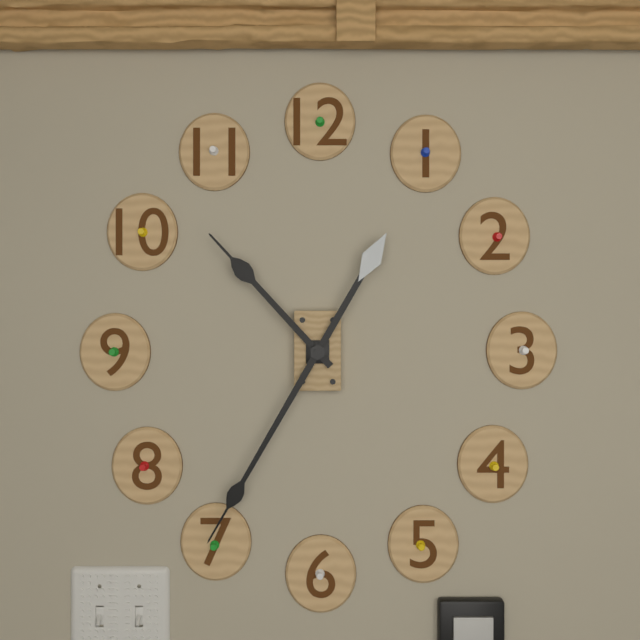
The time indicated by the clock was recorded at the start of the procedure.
10:35
